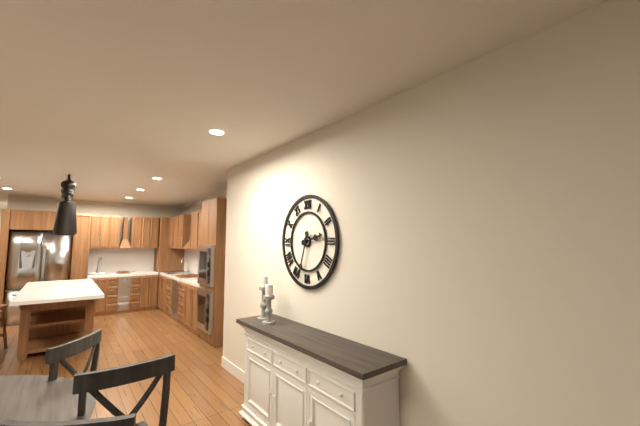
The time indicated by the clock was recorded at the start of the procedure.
2:33
